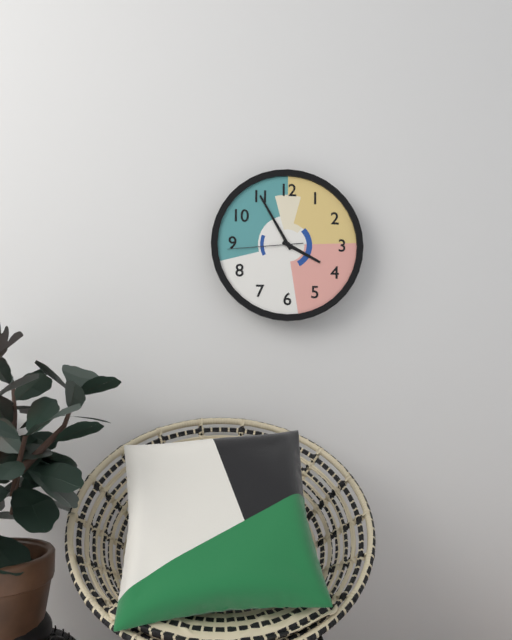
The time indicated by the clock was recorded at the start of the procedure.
3:55:44
